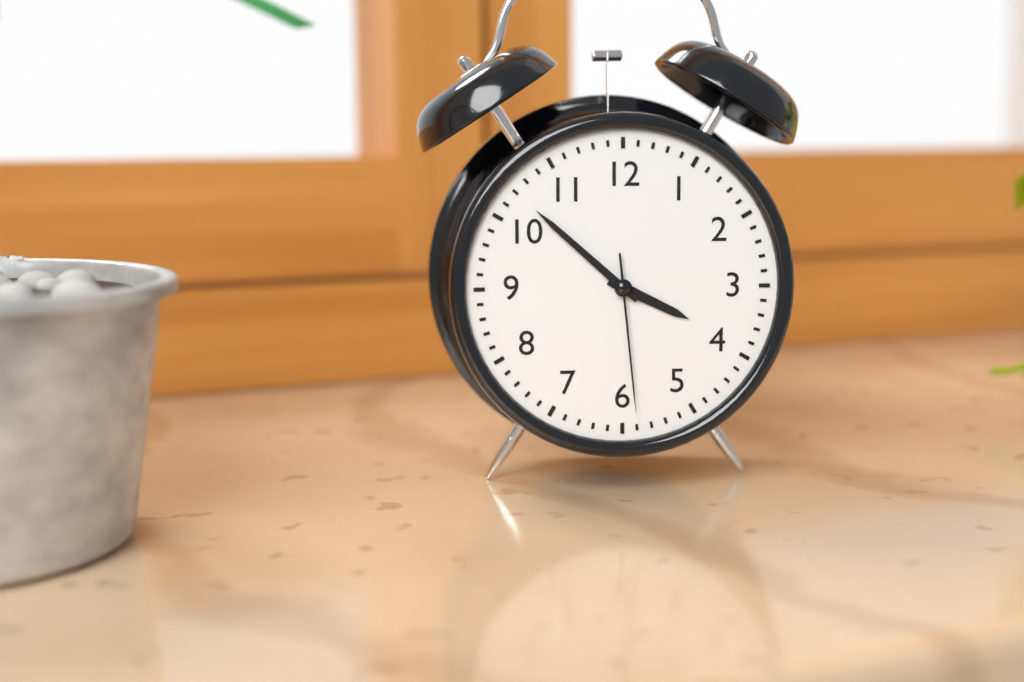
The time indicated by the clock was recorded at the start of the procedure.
3:52:29
